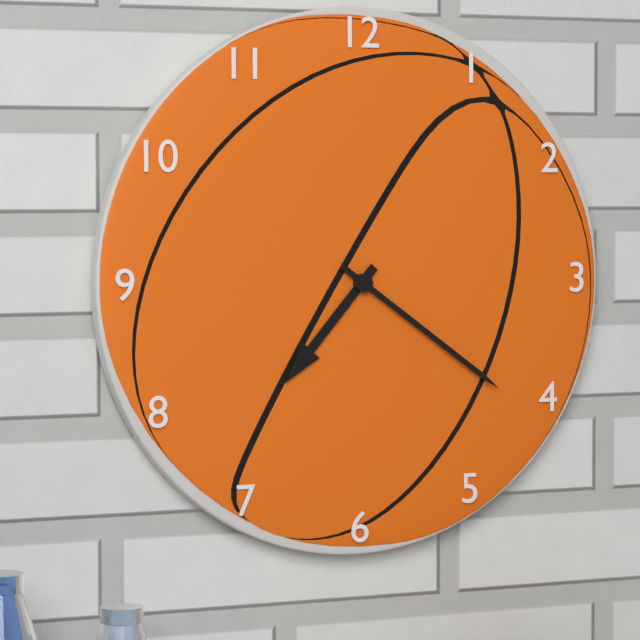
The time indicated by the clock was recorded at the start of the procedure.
7:21
